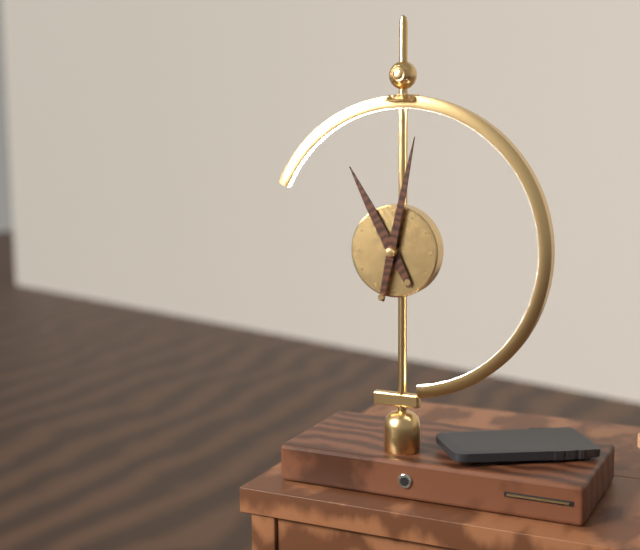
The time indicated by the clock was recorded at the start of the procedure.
11:02
